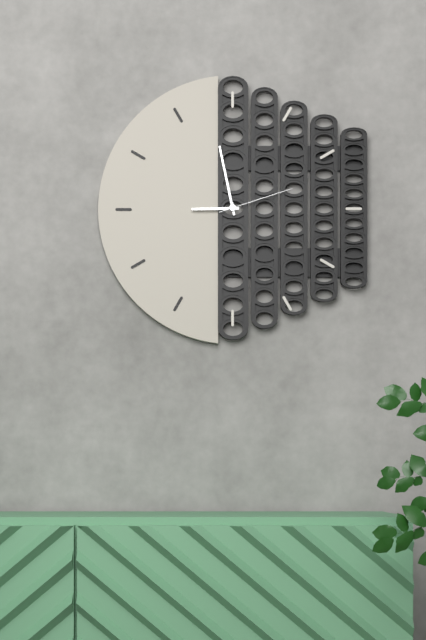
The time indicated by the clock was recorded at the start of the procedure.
8:58:12
